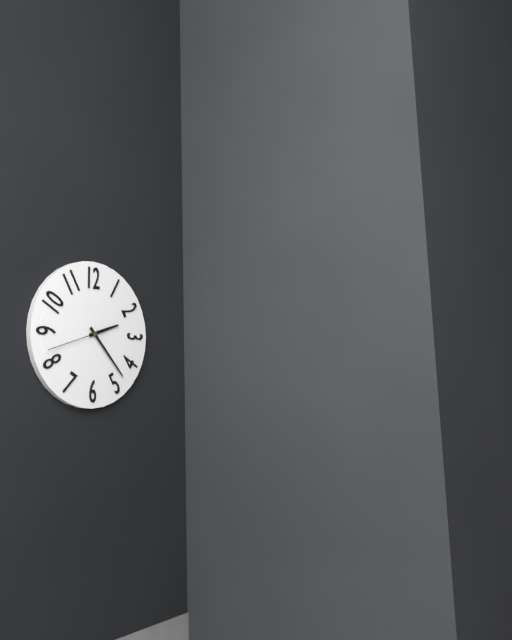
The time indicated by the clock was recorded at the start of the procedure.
2:23:42
